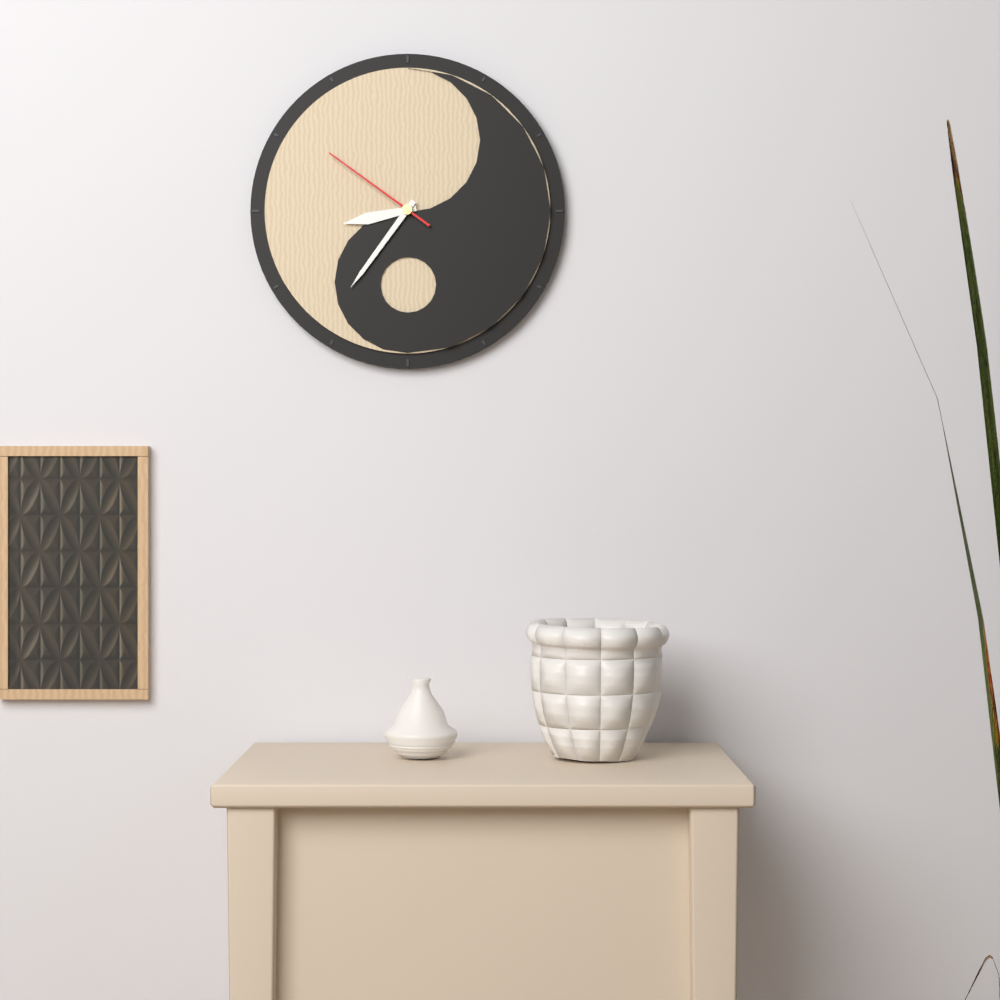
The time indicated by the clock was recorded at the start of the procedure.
8:36:51
